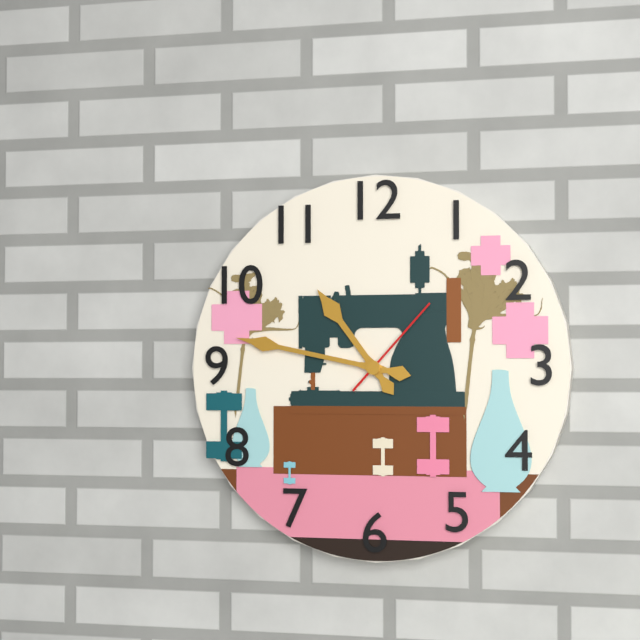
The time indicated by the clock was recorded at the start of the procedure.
10:47:07
